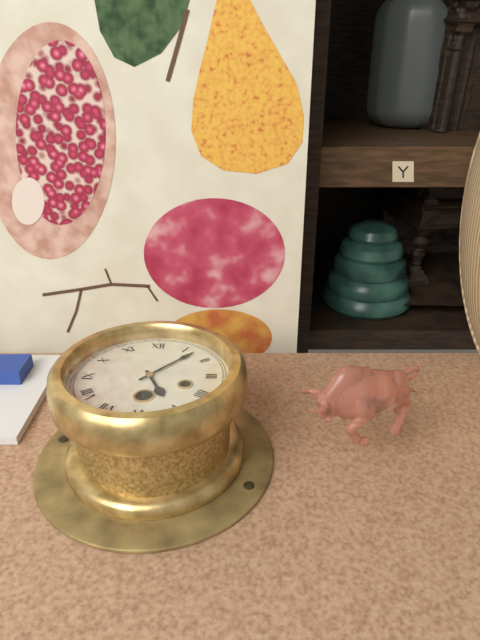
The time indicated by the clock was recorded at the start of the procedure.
5:07
